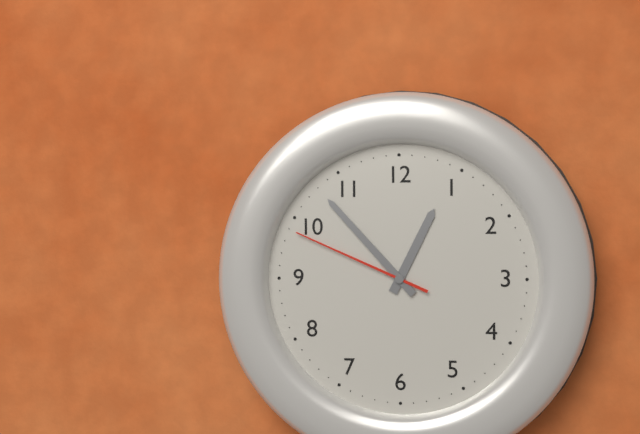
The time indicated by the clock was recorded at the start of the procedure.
12:53:49
